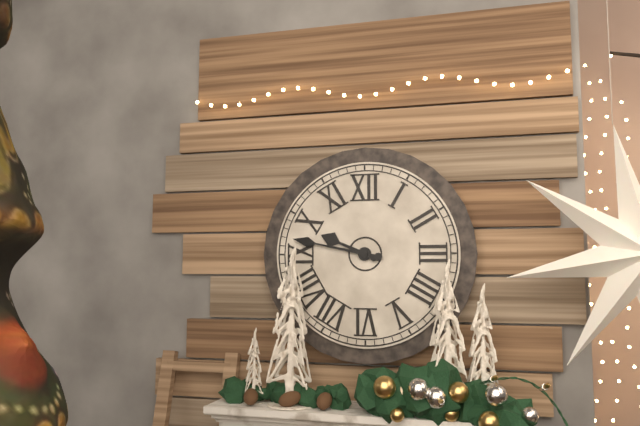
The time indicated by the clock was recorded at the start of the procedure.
9:47
